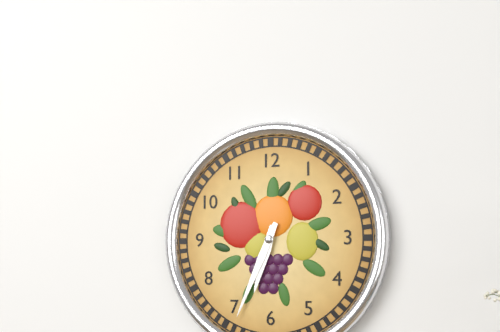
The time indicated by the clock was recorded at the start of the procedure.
6:34
